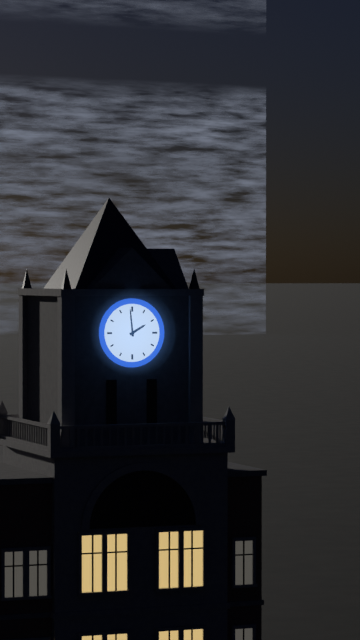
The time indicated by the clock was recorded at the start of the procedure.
1:59
